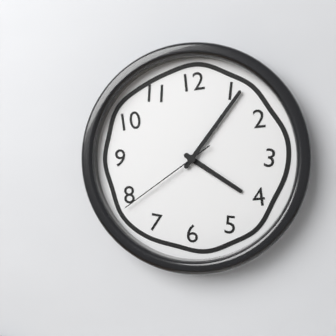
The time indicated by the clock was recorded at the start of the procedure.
4:06:39
